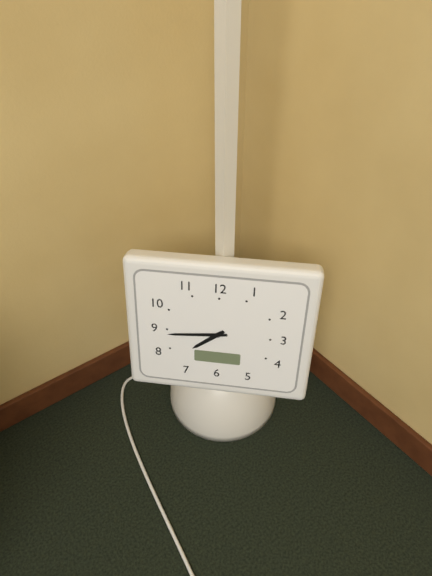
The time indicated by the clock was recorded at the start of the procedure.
7:44
